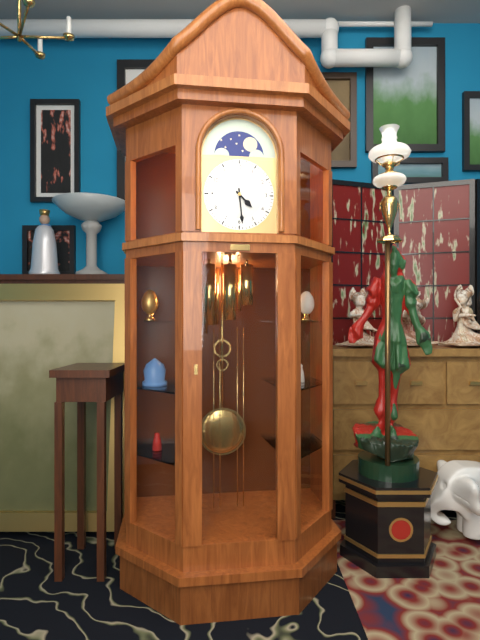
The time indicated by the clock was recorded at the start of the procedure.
4:29
